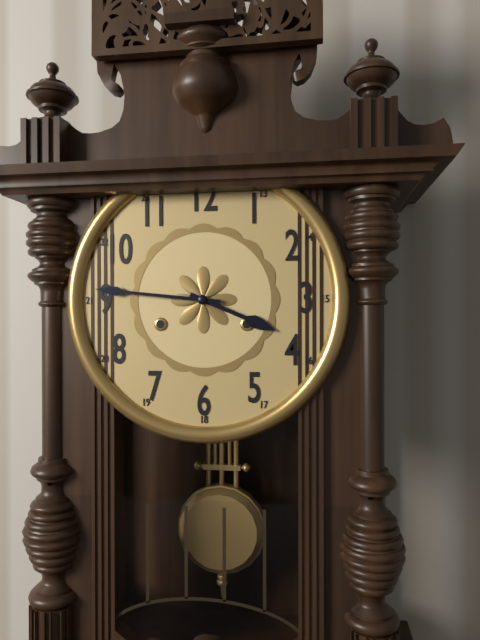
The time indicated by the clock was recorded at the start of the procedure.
3:46
